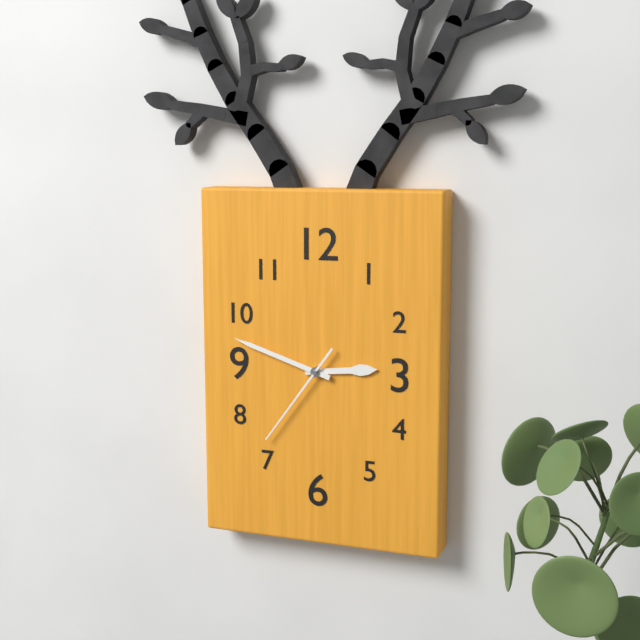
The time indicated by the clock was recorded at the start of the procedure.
2:48:36
